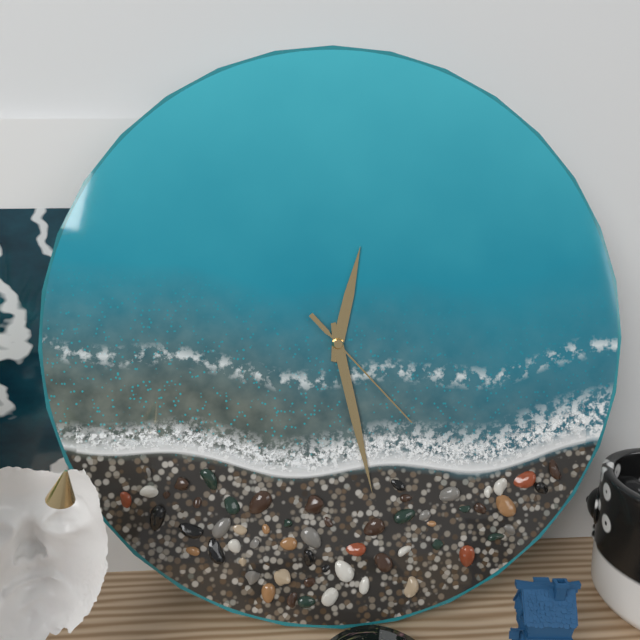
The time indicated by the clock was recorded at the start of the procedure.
12:28:23
